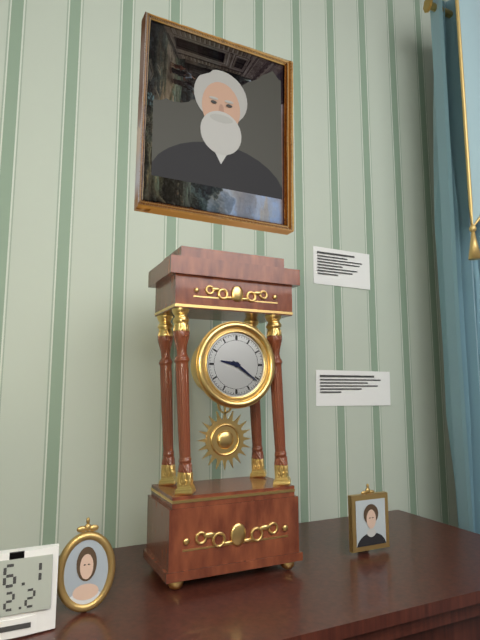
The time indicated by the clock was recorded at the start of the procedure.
9:21
